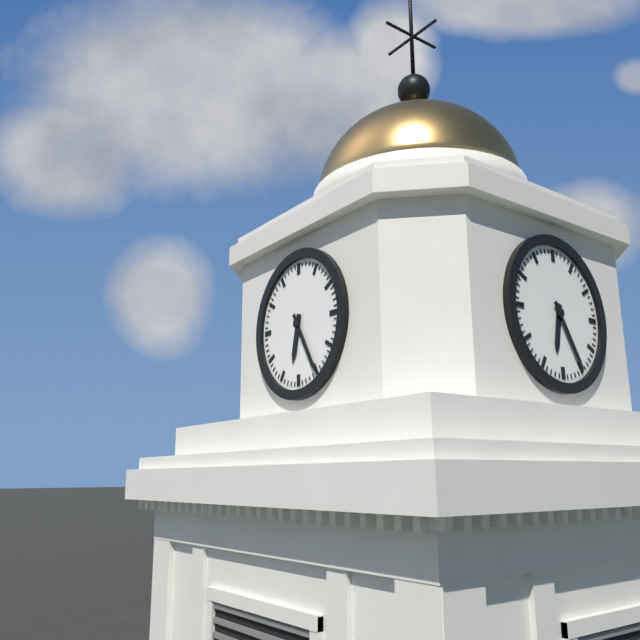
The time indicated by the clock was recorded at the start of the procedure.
6:25
